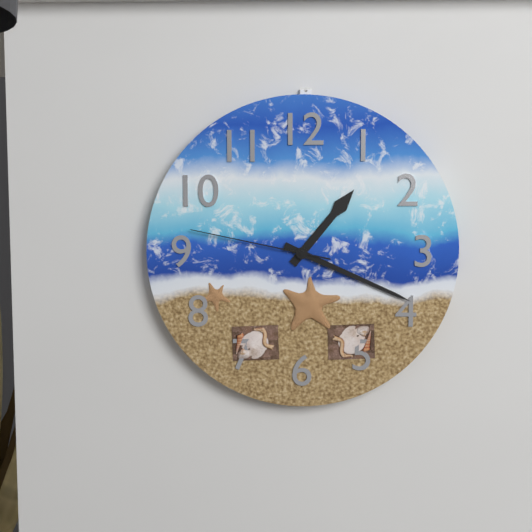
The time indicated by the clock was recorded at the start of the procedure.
1:19:47
